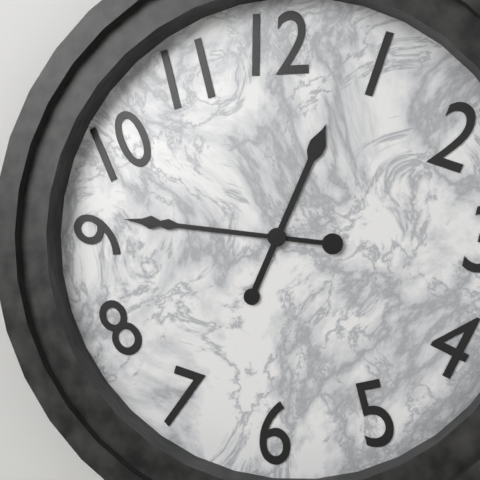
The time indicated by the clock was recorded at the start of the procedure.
12:46
